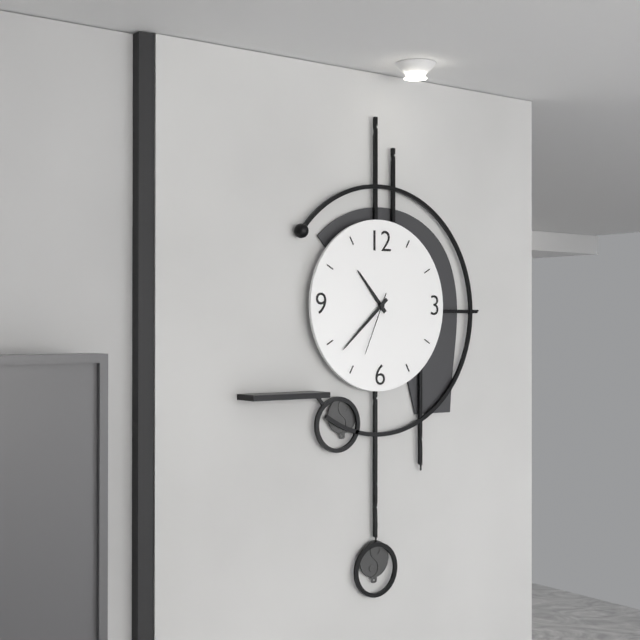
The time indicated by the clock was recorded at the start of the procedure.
10:38:34
